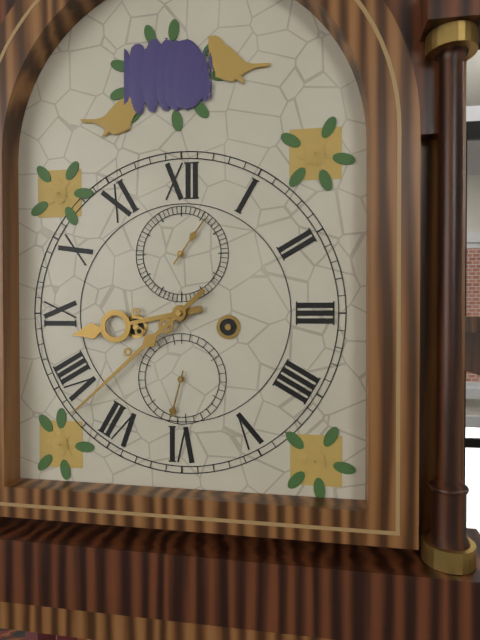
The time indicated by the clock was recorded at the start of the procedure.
8:38:06
